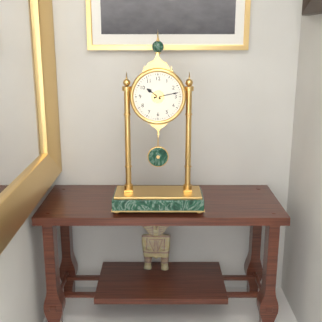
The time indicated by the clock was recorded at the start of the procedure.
10:13
